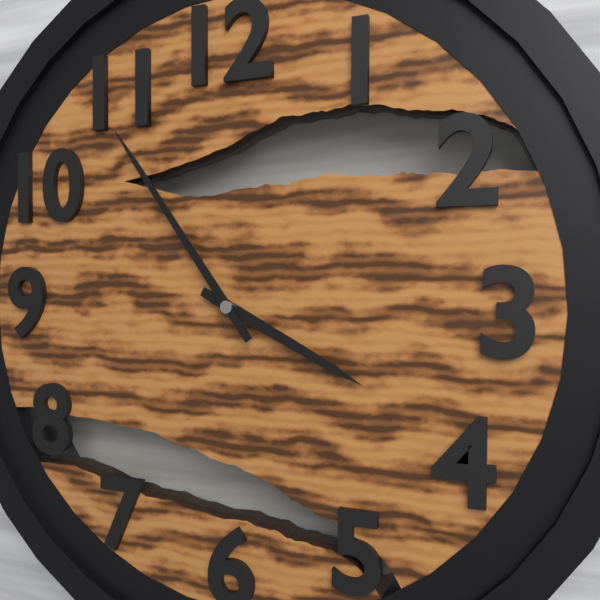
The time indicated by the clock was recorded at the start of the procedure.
3:54
